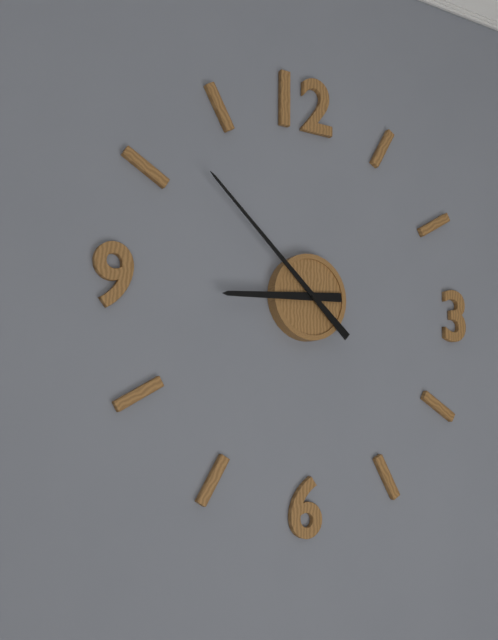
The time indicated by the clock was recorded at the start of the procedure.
8:52
